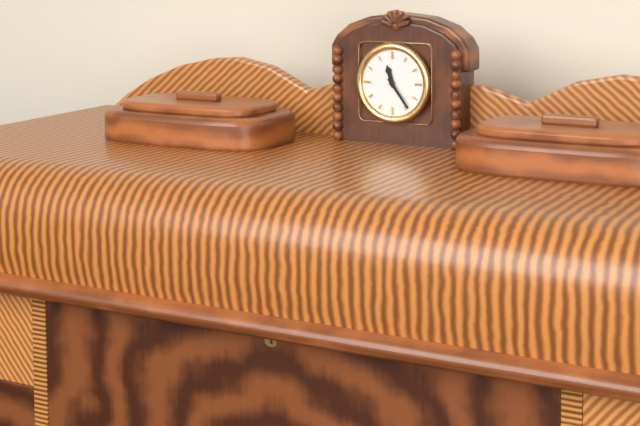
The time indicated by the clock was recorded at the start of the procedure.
11:24
